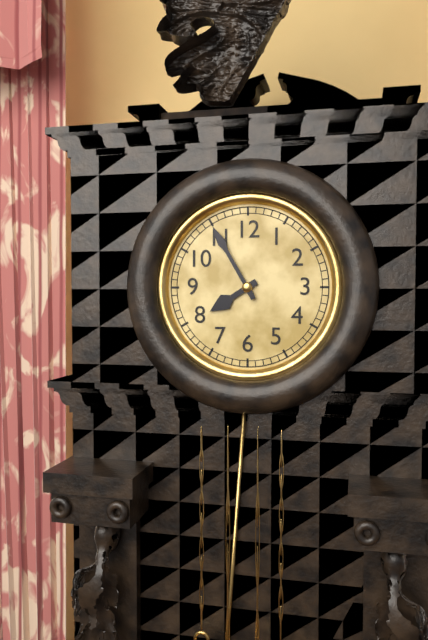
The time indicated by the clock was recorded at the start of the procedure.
7:55
